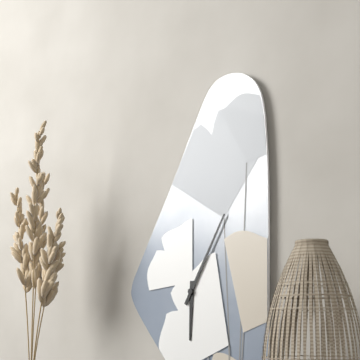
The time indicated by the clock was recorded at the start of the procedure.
6:05
